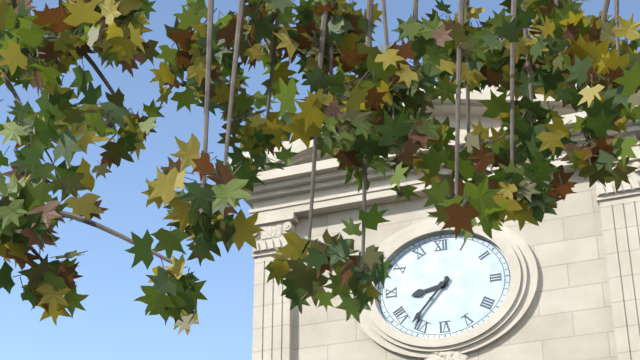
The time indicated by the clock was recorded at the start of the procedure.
8:37
